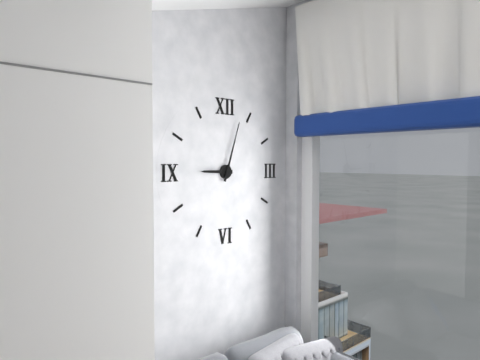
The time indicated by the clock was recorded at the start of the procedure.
9:03
